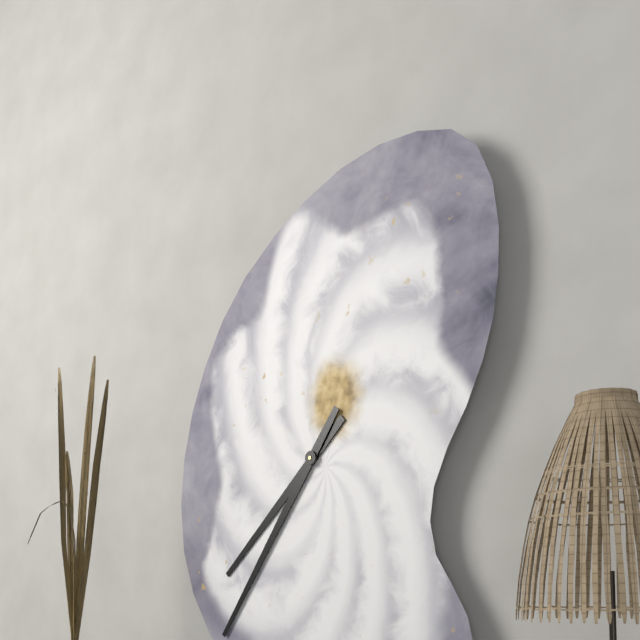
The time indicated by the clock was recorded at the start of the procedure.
7:36
